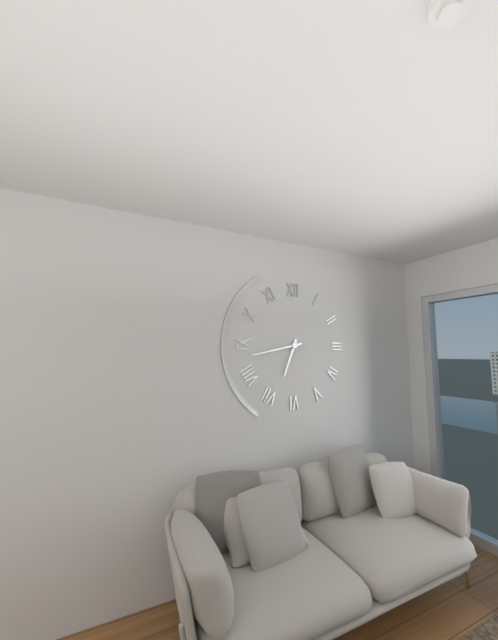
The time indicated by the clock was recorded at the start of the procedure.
6:43
